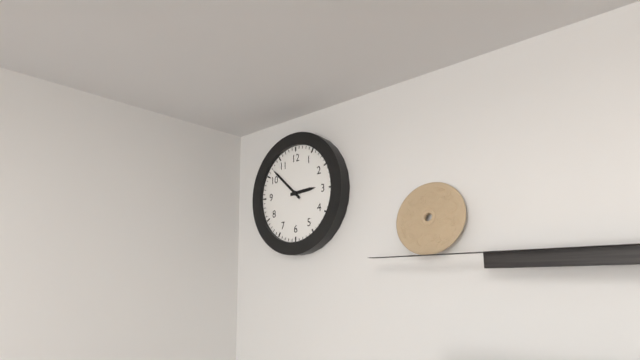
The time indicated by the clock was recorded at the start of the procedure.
2:52
